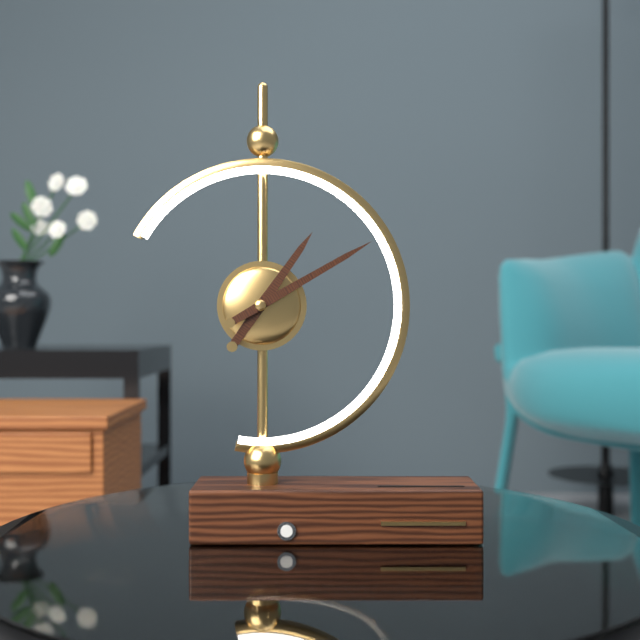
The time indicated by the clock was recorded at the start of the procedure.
1:10
